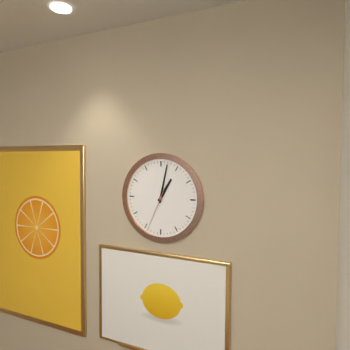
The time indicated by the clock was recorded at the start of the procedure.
1:02
